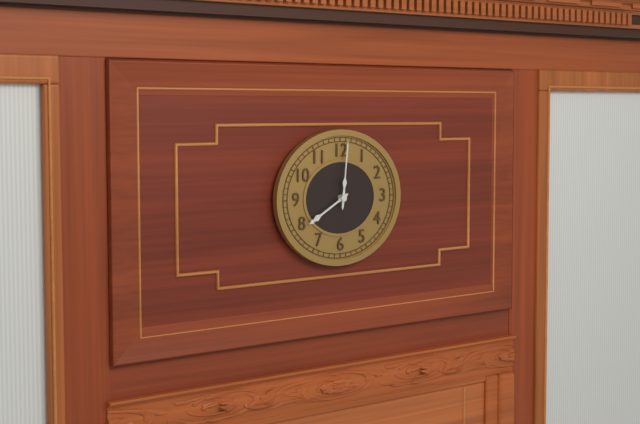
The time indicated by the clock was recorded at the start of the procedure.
8:01
